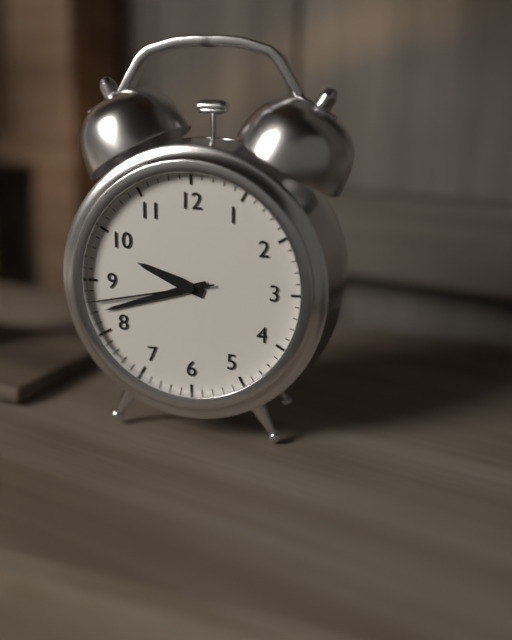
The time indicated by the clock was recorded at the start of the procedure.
9:42:43
